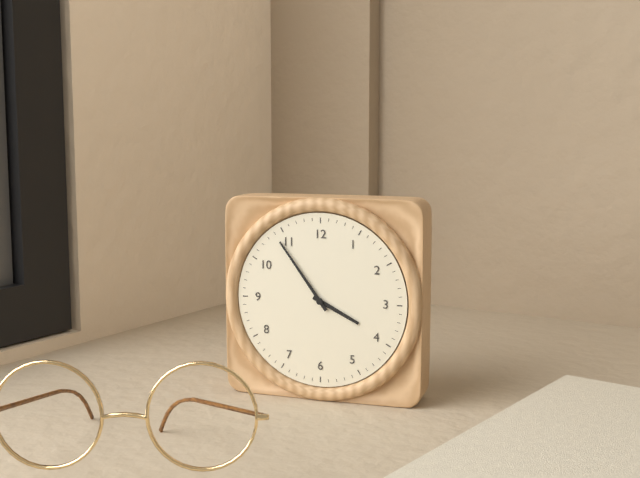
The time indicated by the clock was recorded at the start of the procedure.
3:54
